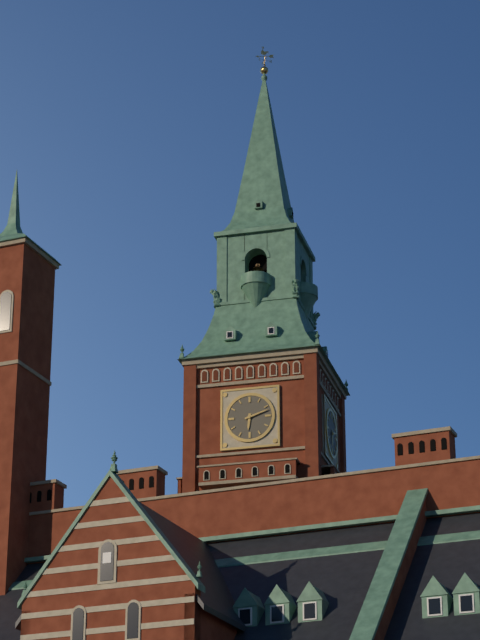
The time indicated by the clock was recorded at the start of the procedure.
6:12
